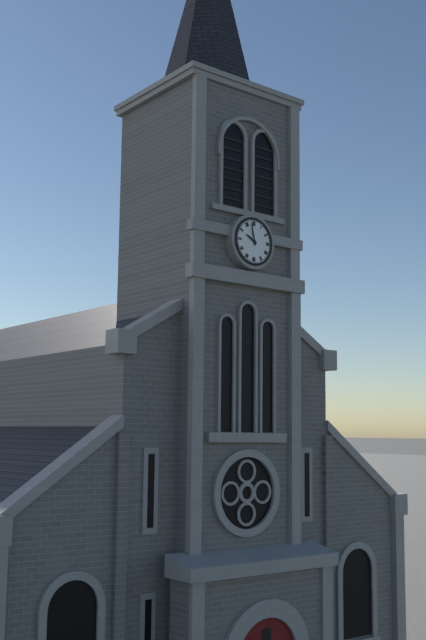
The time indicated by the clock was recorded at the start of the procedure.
9:58
